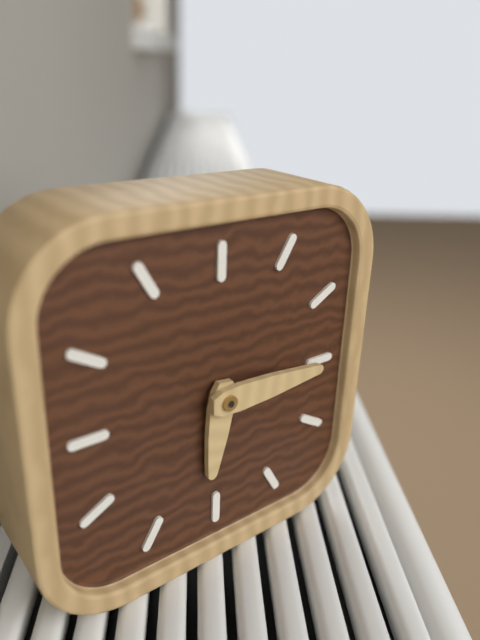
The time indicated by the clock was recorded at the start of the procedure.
6:15
